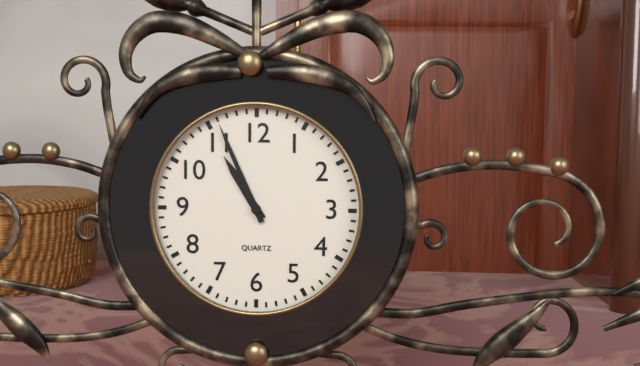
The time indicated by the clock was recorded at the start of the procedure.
10:56
